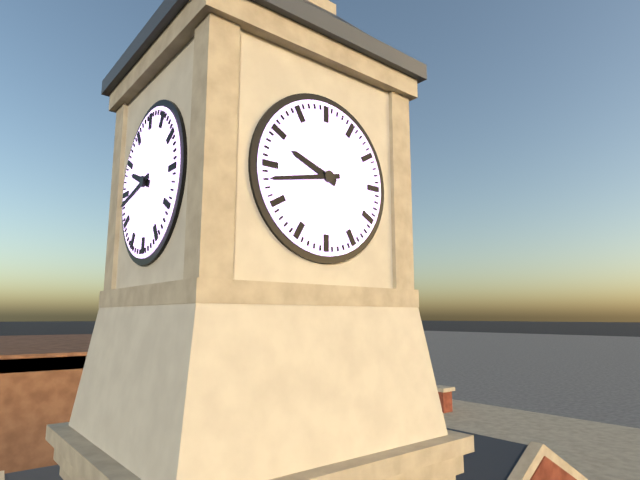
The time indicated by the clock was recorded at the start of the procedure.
9:43
